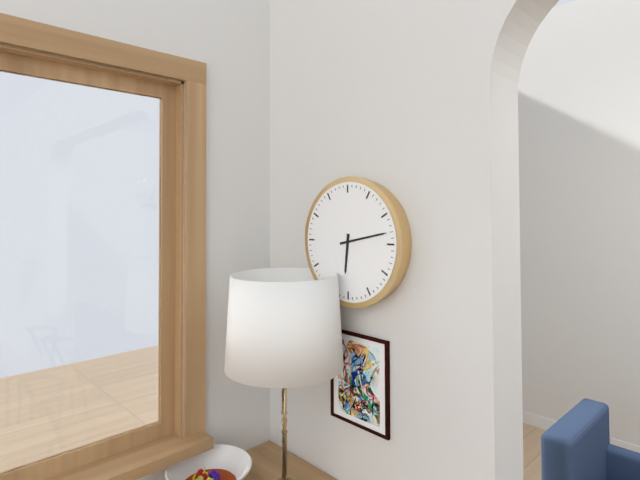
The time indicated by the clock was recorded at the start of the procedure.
6:13
